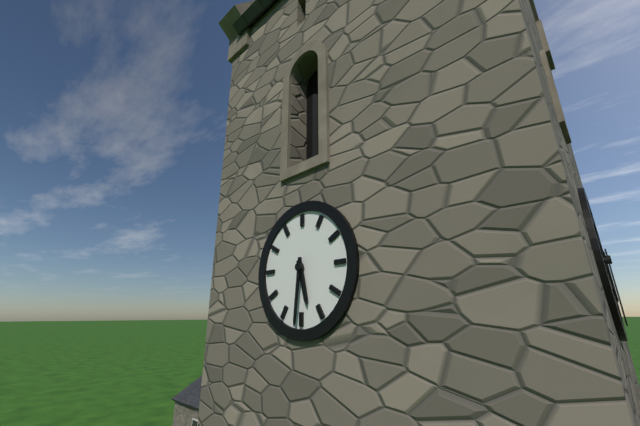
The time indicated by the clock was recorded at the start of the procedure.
5:31
